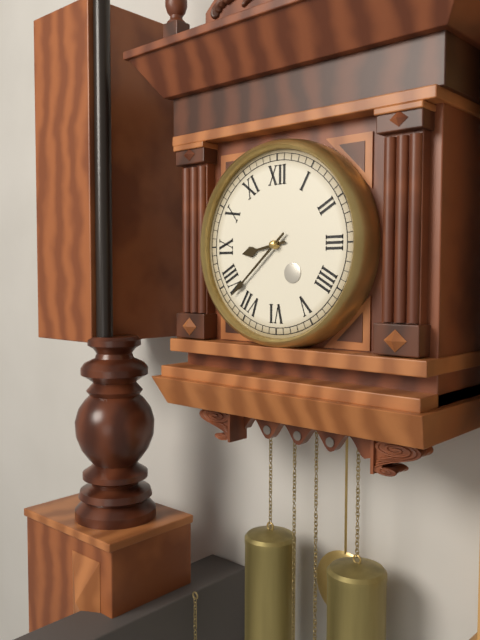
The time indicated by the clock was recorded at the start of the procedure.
8:38
